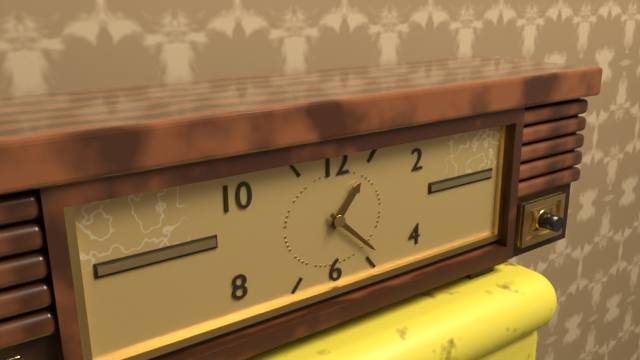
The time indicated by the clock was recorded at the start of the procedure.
1:22
